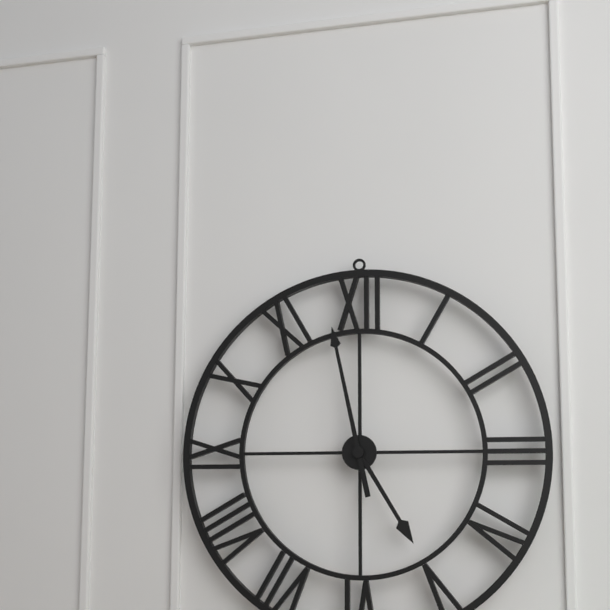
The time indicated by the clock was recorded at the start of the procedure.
4:58
